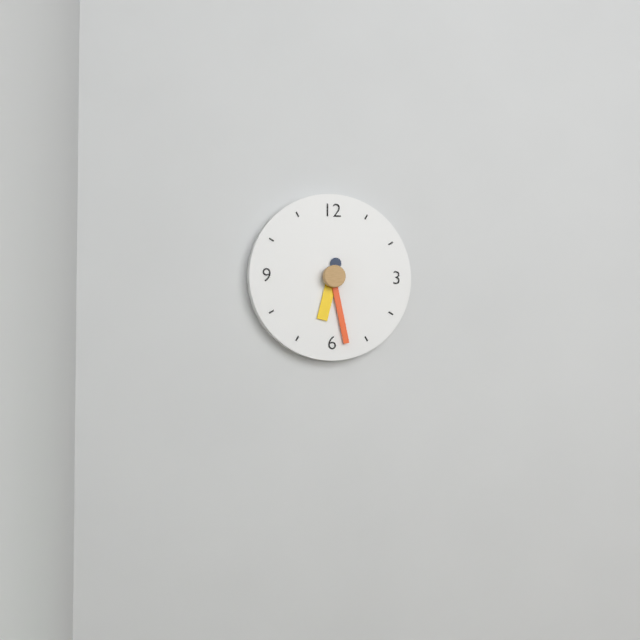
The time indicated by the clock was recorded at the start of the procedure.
6:28
